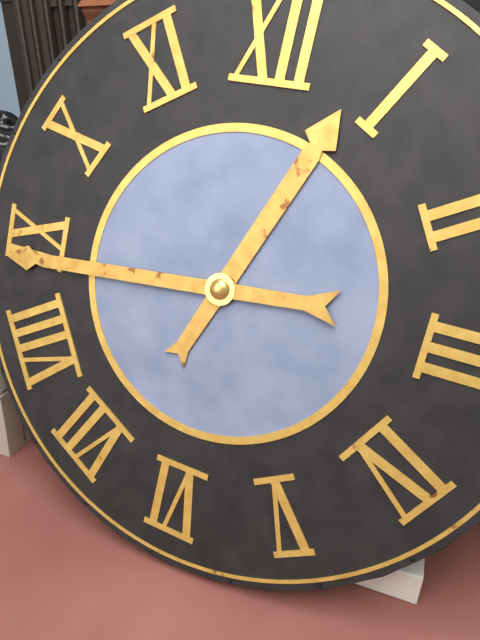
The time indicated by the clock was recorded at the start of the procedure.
12:44
